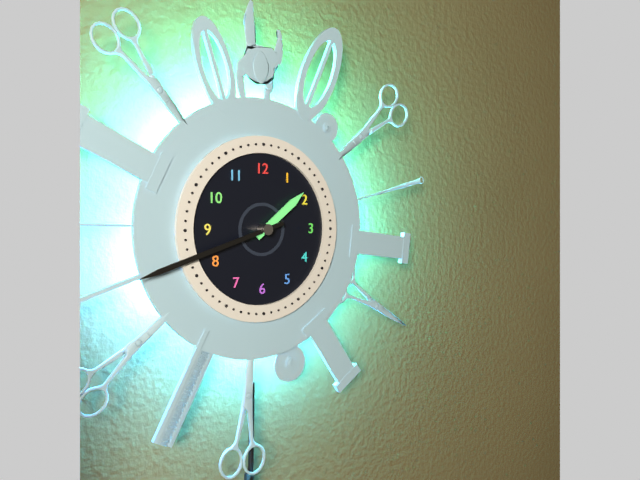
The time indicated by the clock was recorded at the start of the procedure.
1:42
